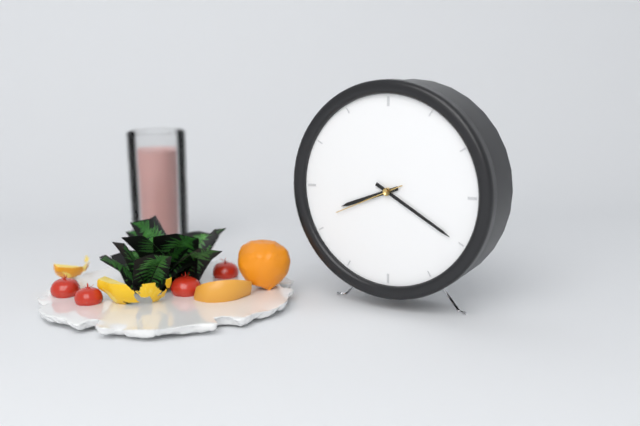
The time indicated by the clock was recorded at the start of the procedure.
8:20:41
